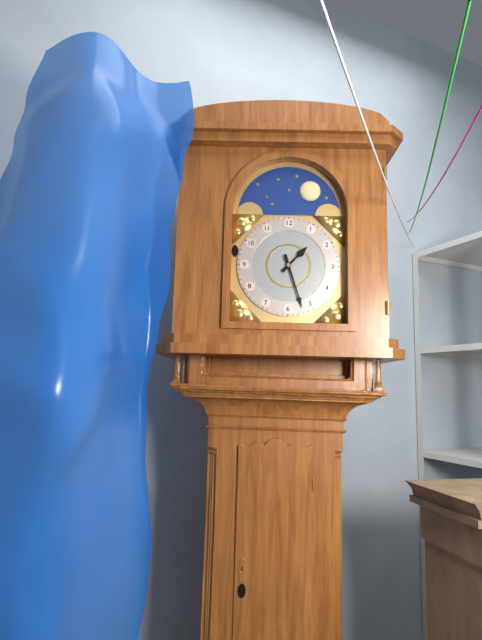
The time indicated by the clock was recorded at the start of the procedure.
1:27
